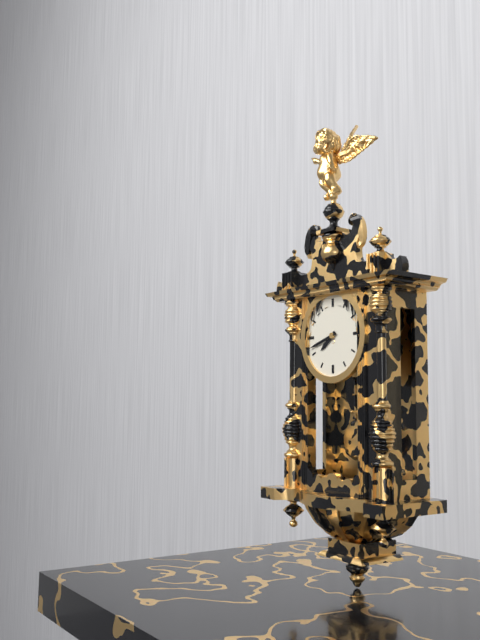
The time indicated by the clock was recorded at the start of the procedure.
7:42
